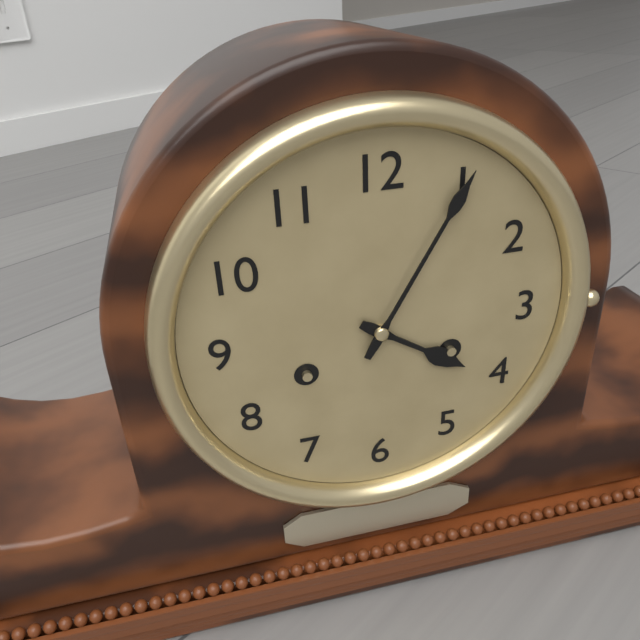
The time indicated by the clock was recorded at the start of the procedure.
4:05
